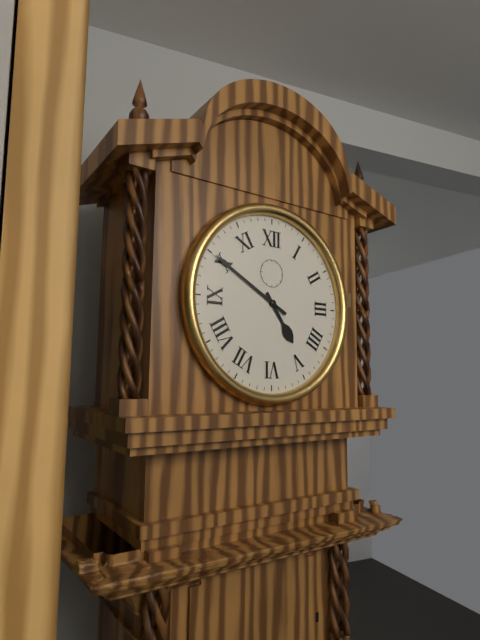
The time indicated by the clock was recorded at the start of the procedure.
4:50
